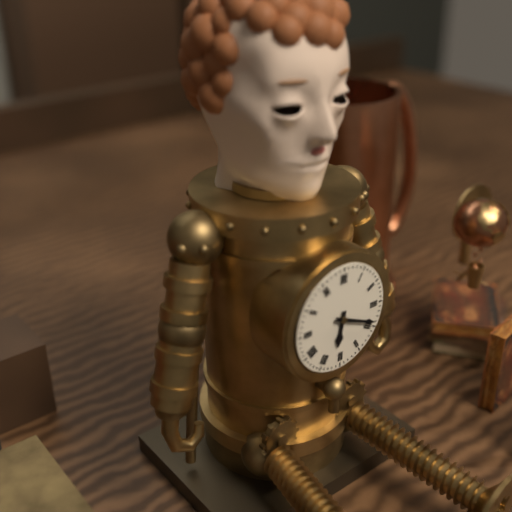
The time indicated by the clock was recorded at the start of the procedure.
6:19
